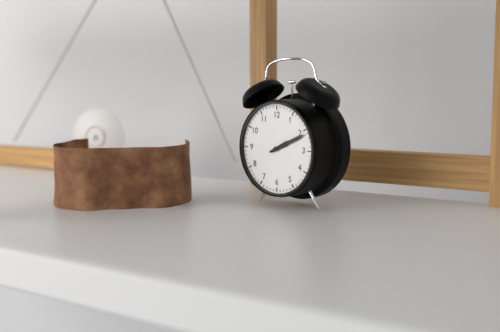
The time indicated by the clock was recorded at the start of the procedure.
2:11
